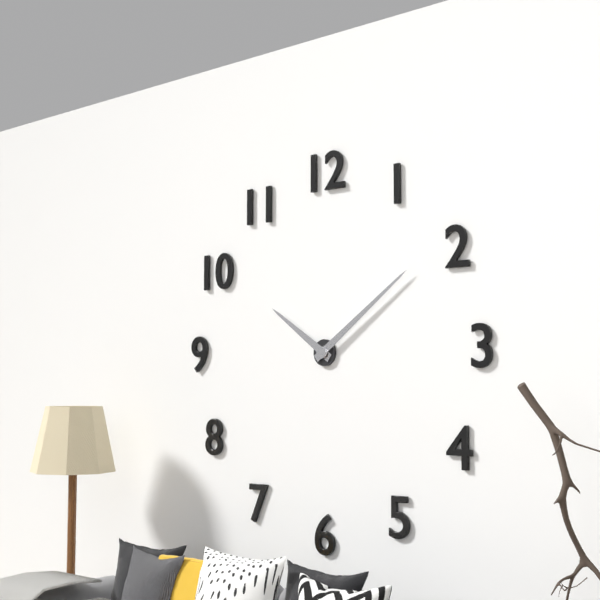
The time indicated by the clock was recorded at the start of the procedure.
10:09
